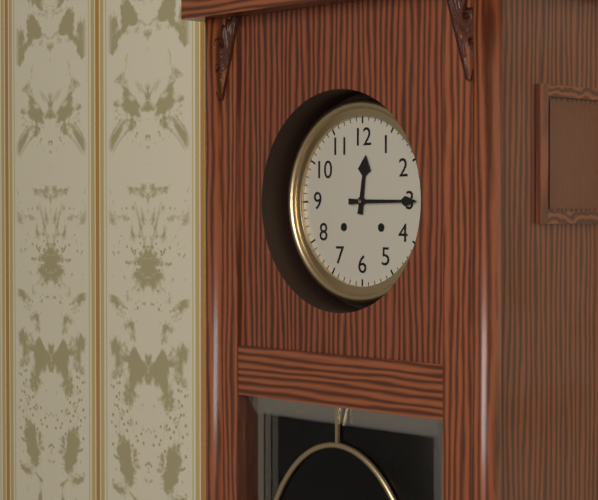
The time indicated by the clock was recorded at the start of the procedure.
12:15
